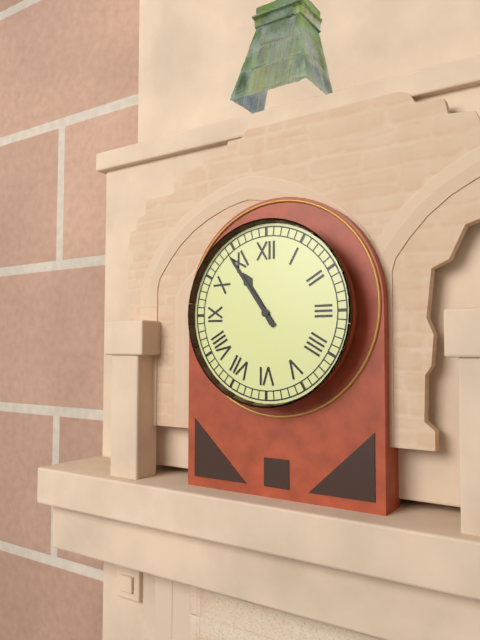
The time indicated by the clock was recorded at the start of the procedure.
10:54
